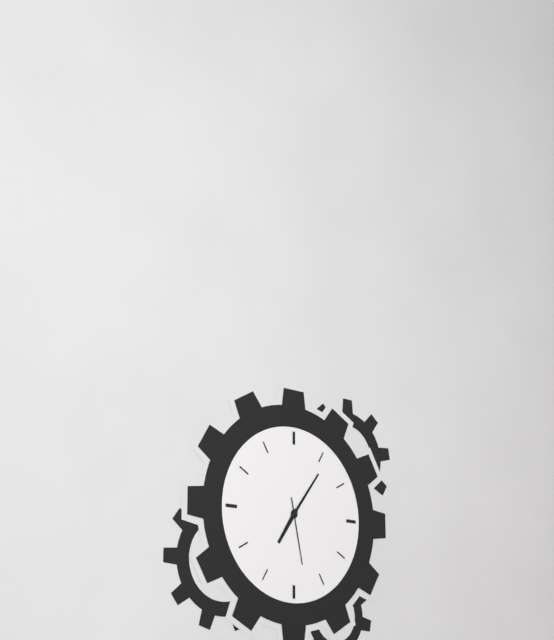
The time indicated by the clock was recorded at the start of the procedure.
7:06:28
